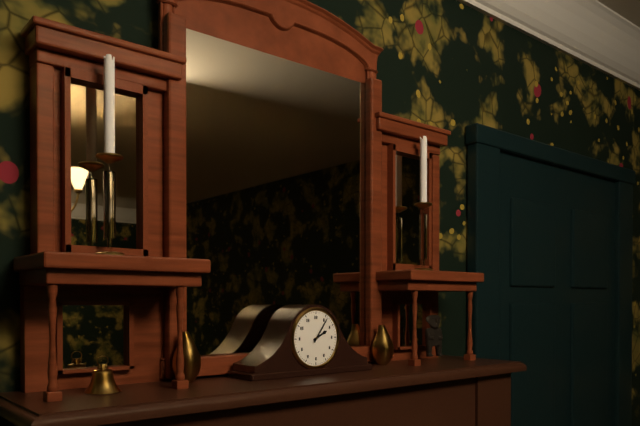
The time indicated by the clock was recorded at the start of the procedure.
2:06
